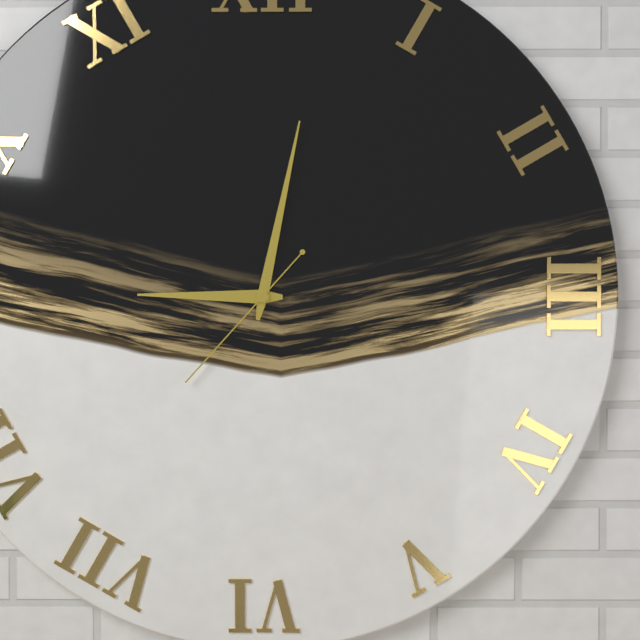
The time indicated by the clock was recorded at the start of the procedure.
9:02:37
